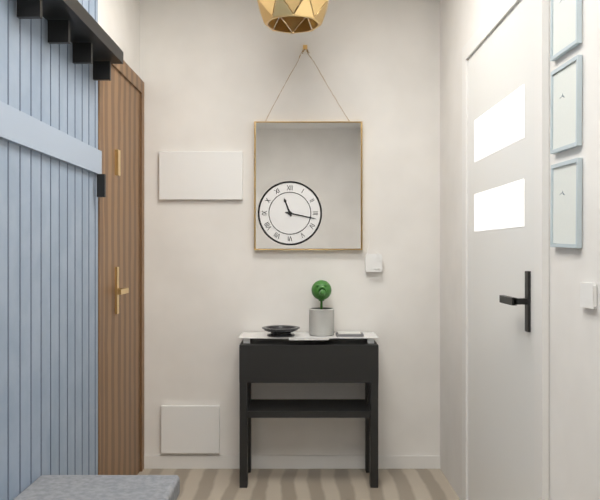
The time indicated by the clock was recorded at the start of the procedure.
11:17
